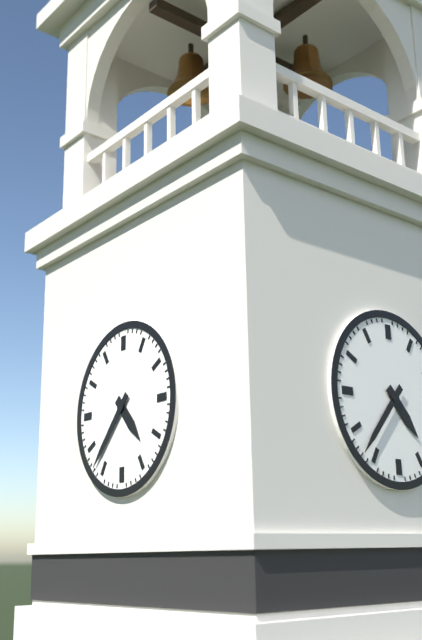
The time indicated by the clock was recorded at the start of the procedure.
4:37
